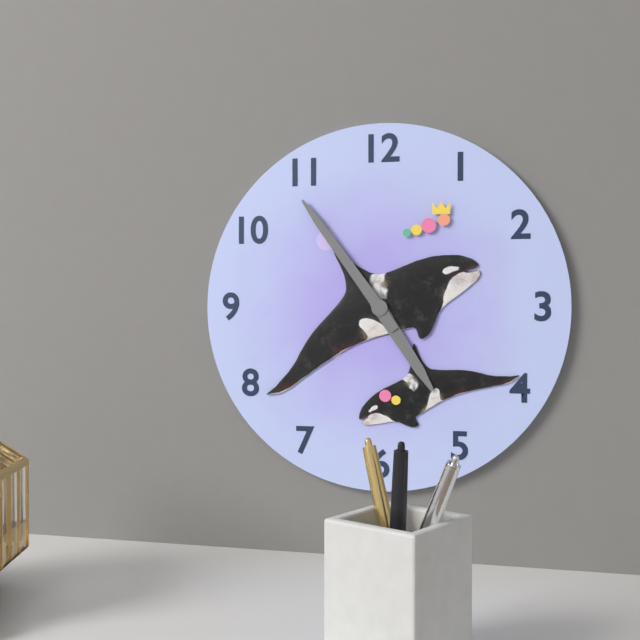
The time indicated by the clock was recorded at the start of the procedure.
4:54
